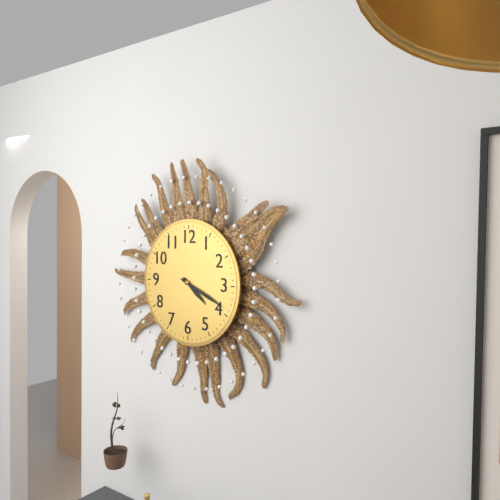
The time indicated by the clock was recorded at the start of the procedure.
4:19
